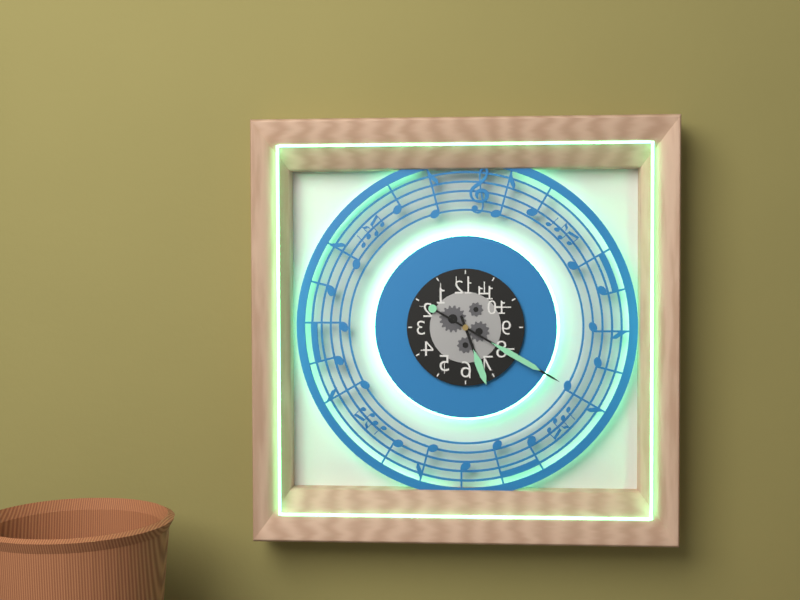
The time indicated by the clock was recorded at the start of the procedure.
5:20
